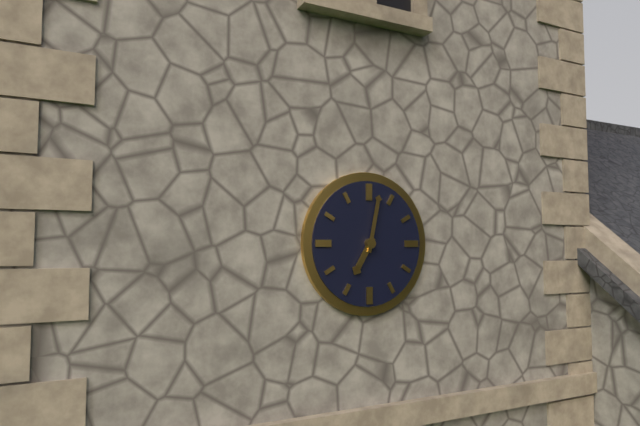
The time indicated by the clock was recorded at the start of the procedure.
7:02
